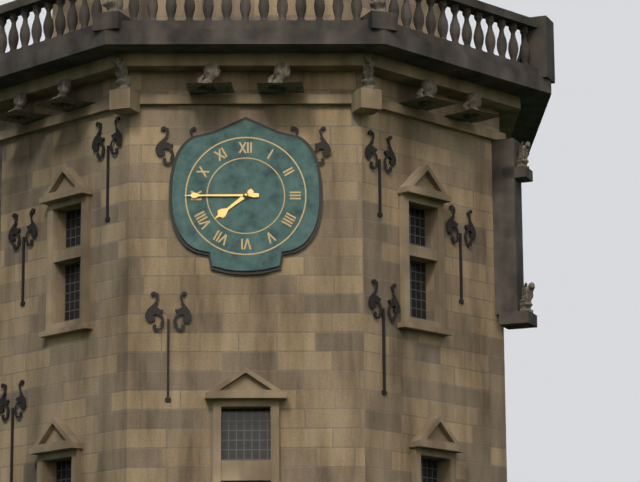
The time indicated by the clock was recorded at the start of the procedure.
7:45
